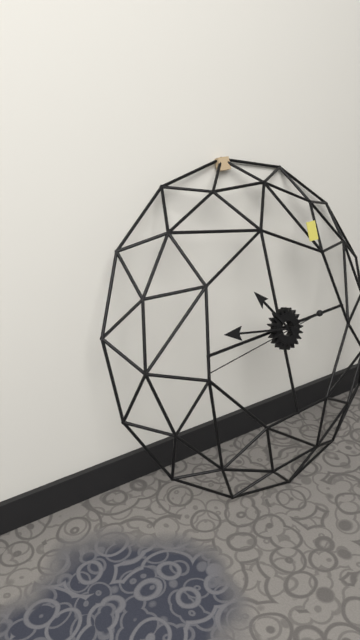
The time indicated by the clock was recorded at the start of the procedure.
10:47:44
